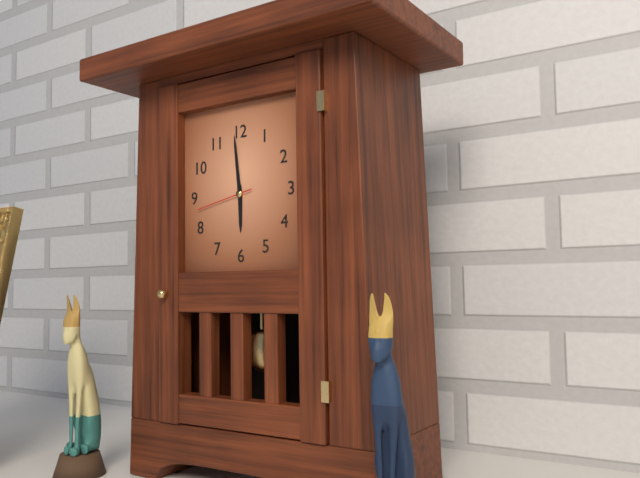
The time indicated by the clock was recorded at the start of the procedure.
5:59:43
